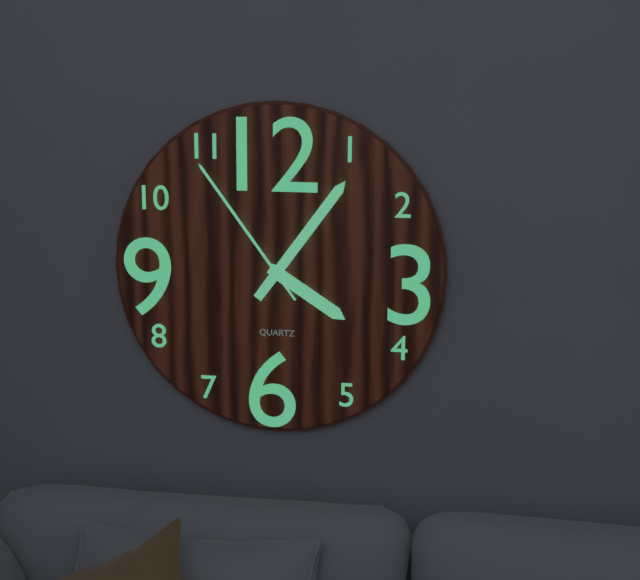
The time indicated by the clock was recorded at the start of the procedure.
4:06:54
